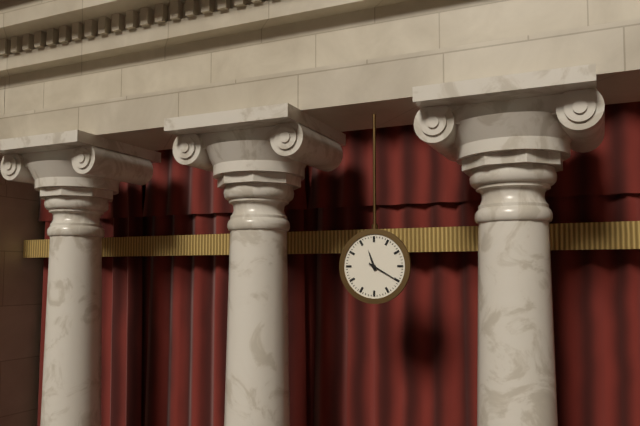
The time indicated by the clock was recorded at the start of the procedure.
11:20
